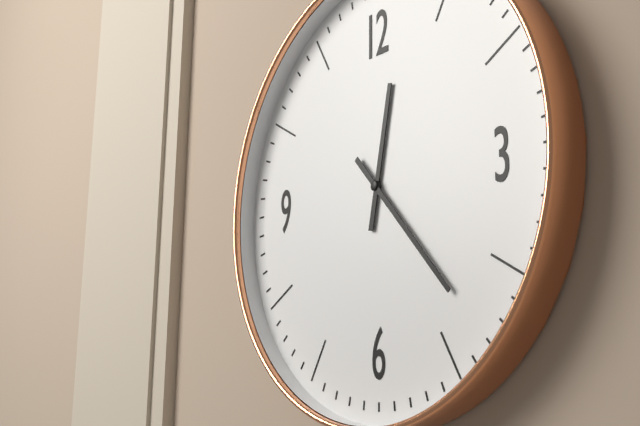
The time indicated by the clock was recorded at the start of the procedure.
12:23
